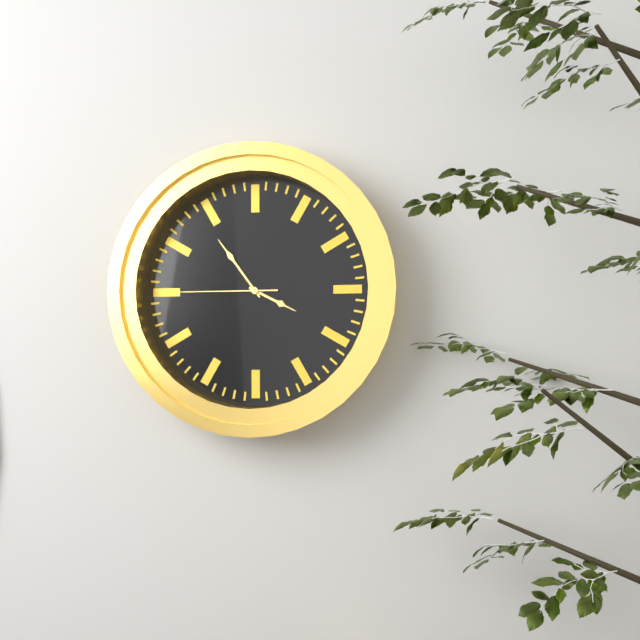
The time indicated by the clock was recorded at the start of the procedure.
3:54:45
